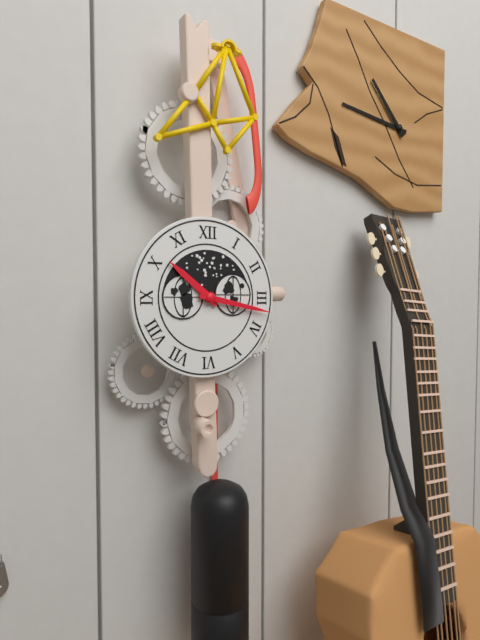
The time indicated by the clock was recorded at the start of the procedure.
10:17
